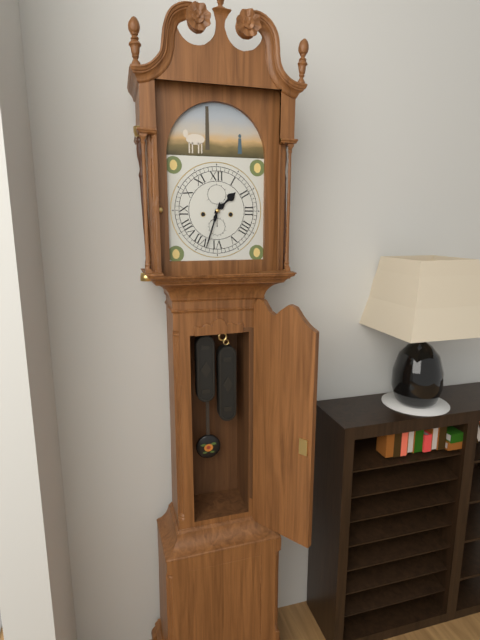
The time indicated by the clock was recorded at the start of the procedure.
1:33
